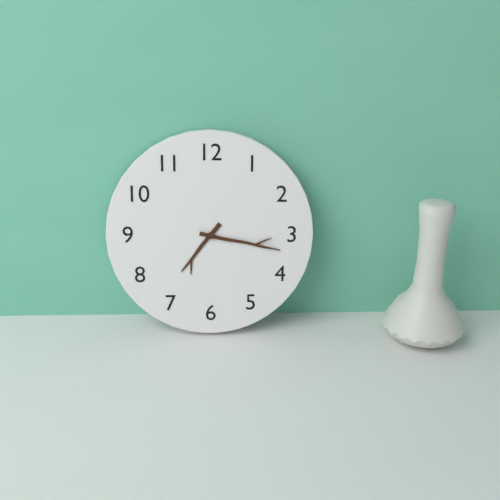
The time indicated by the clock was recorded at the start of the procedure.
7:17
